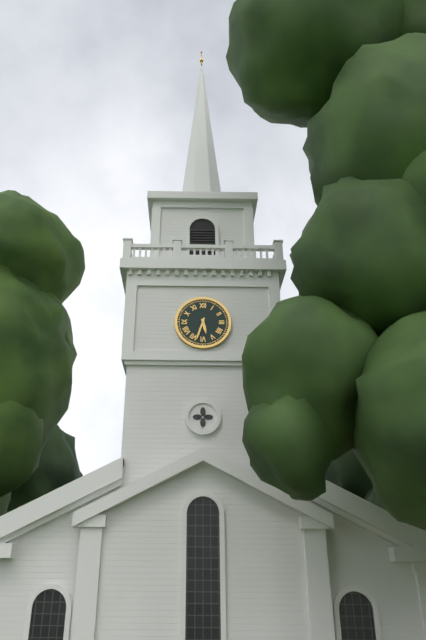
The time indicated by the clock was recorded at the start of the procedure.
5:33
